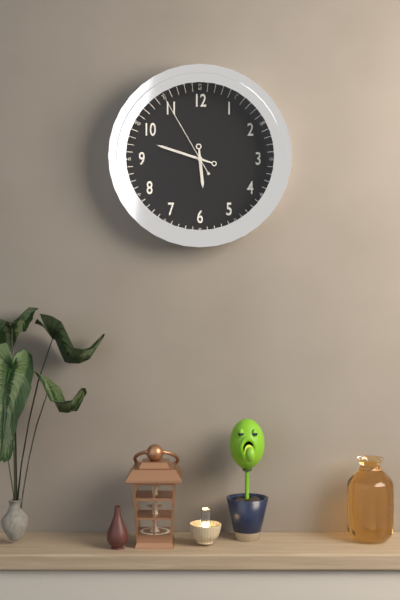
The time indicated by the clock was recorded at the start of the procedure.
5:48:55
